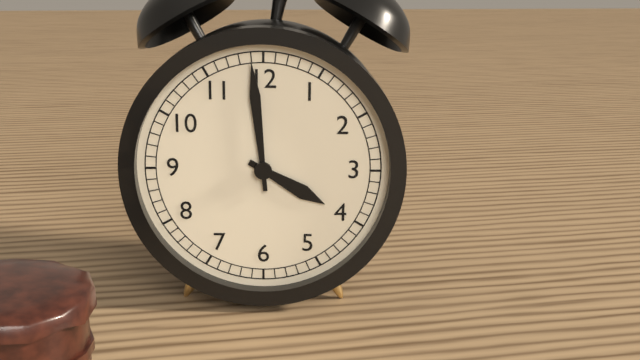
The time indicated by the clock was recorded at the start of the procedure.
3:59
